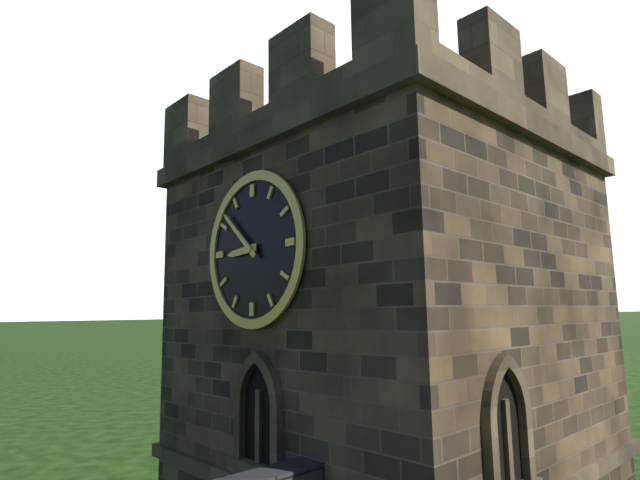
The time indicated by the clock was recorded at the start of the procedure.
8:52
